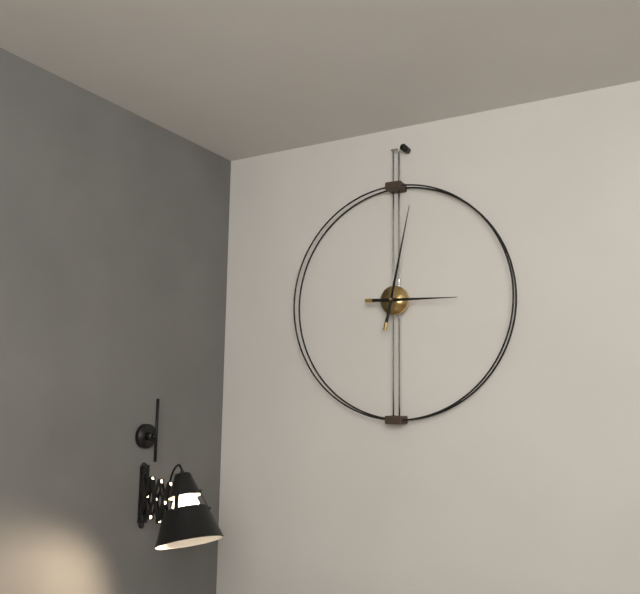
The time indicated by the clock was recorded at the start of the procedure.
3:02
